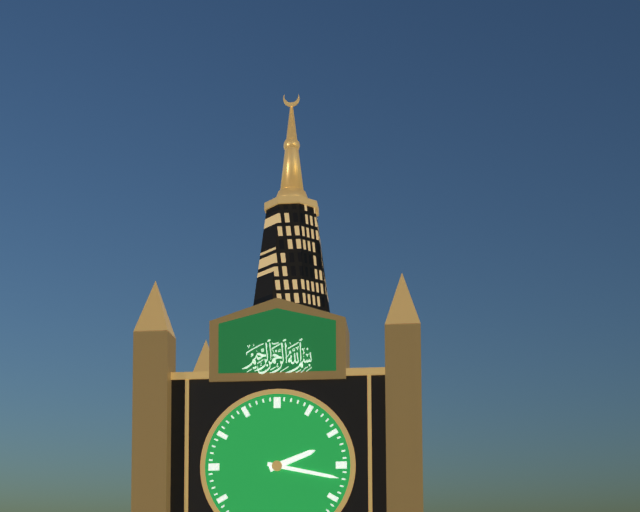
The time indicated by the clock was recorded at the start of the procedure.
2:17
